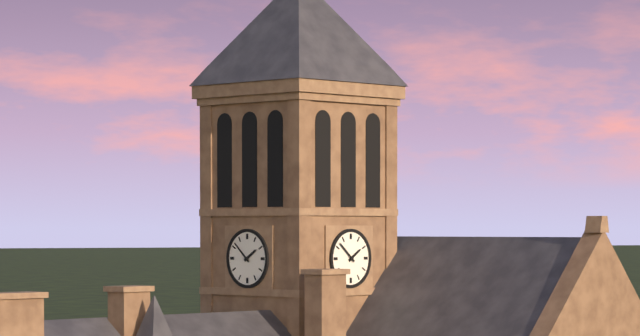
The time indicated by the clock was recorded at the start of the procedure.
1:52
